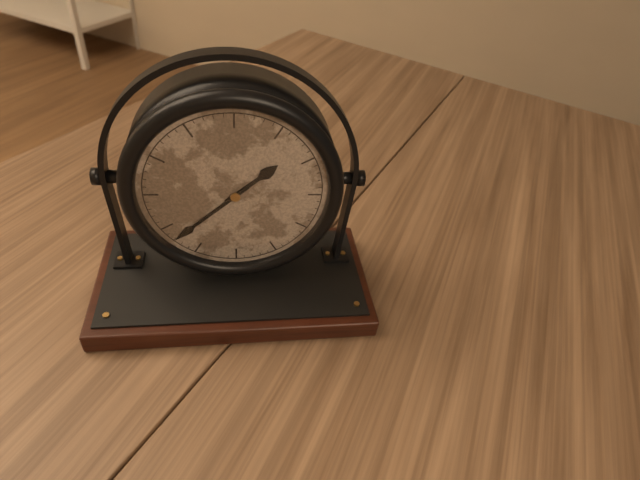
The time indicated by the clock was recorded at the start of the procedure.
1:38
